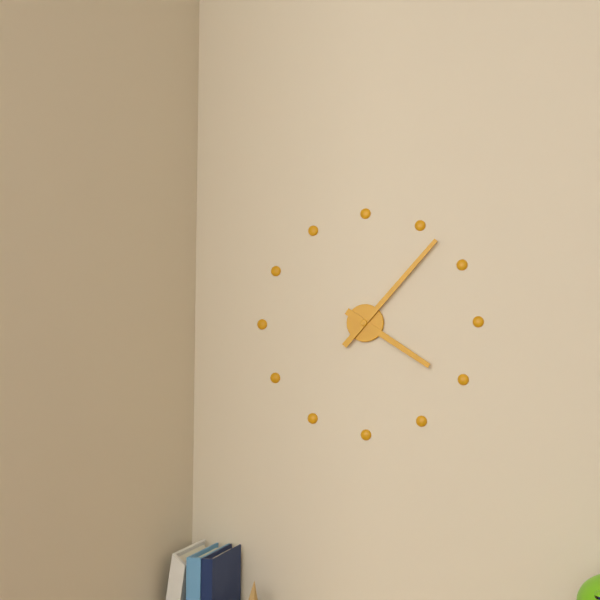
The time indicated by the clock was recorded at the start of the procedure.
4:07
